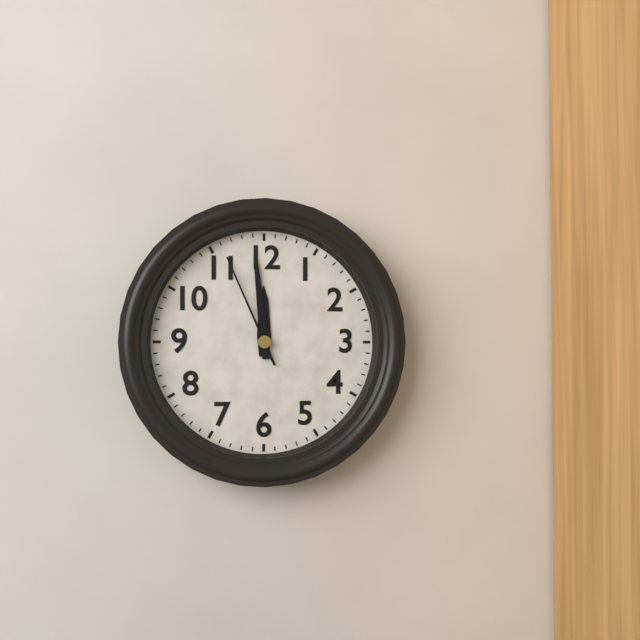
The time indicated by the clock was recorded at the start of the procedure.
11:59:56
